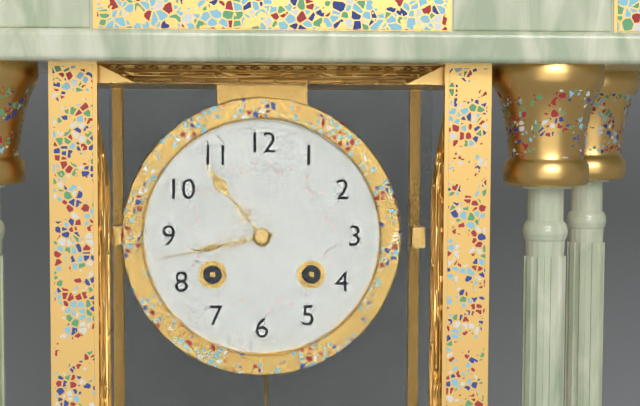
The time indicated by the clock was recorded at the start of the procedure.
10:43
